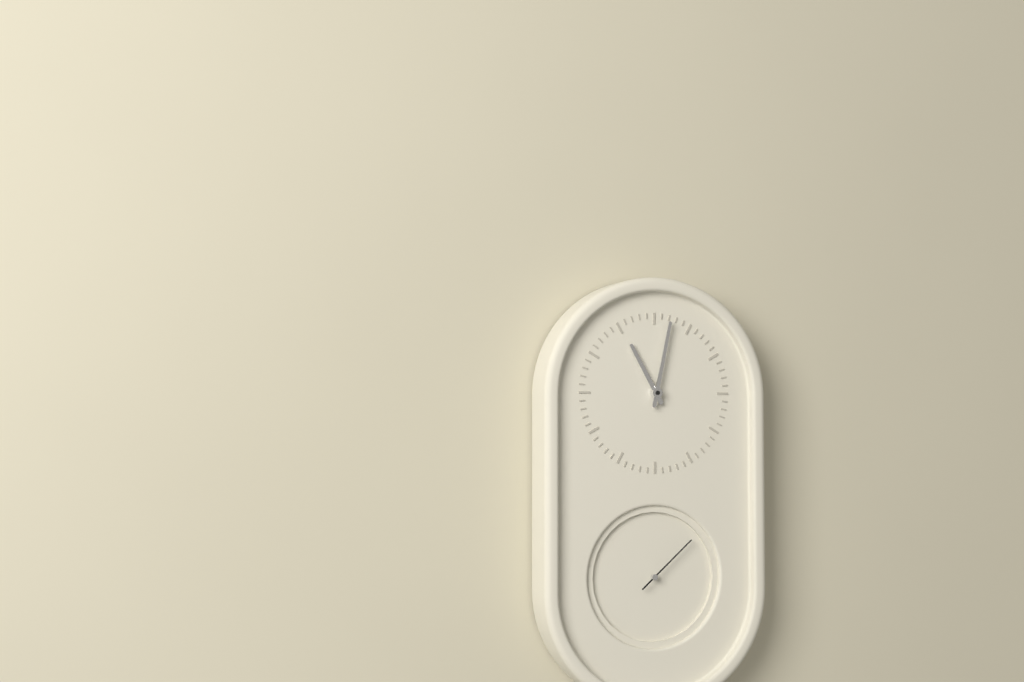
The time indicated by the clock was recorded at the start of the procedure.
11:02:08
